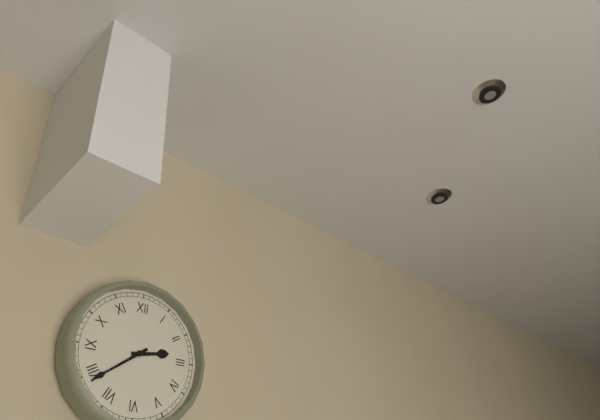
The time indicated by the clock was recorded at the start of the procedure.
2:39
